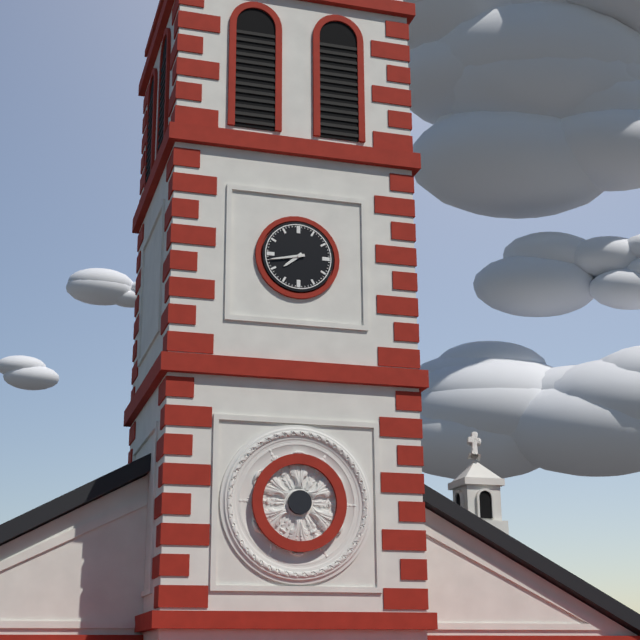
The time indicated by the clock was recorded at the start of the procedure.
7:43
